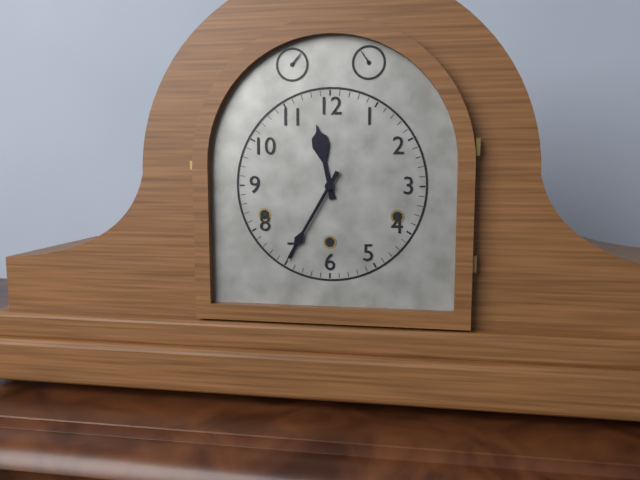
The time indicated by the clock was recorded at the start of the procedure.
11:35
